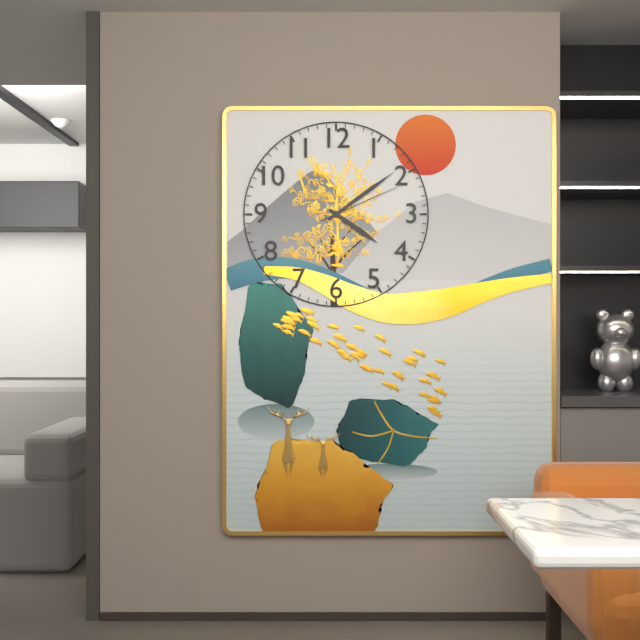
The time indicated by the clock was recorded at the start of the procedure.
4:09:11
